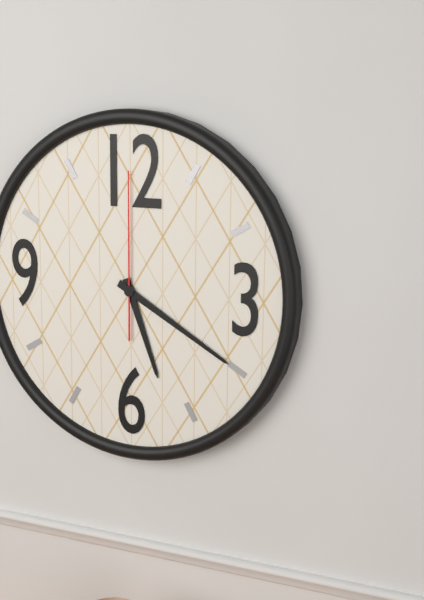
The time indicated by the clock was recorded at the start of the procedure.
5:20:00
